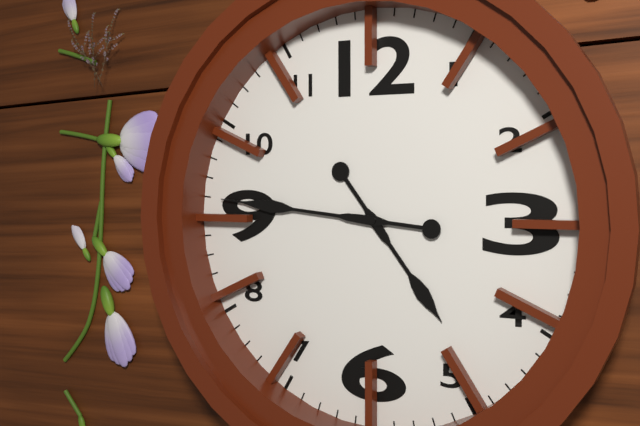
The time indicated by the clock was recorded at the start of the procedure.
4:46
